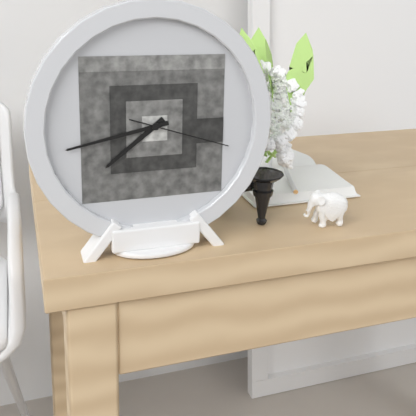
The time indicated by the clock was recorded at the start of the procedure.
7:43:18
